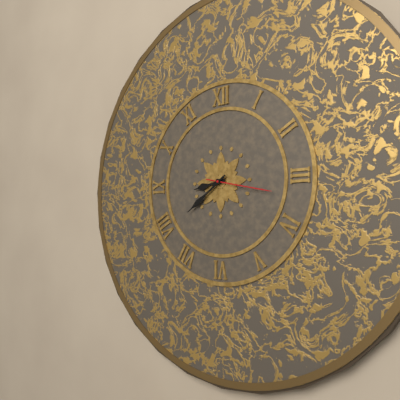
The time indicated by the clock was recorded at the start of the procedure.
8:39:17
